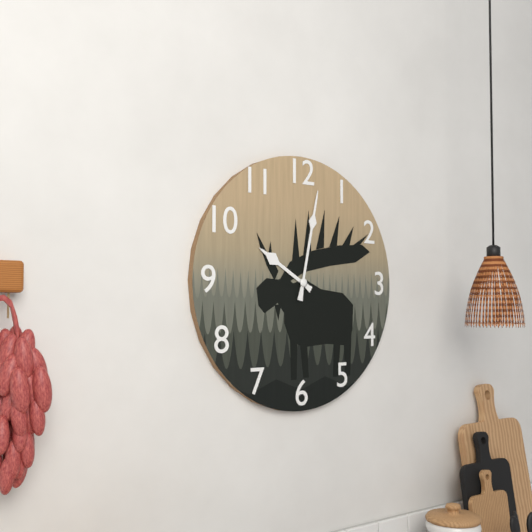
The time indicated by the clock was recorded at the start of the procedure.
10:02
